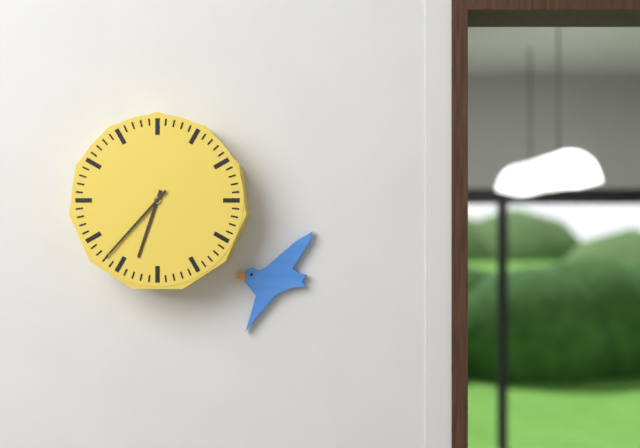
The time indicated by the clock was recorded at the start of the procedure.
6:37
